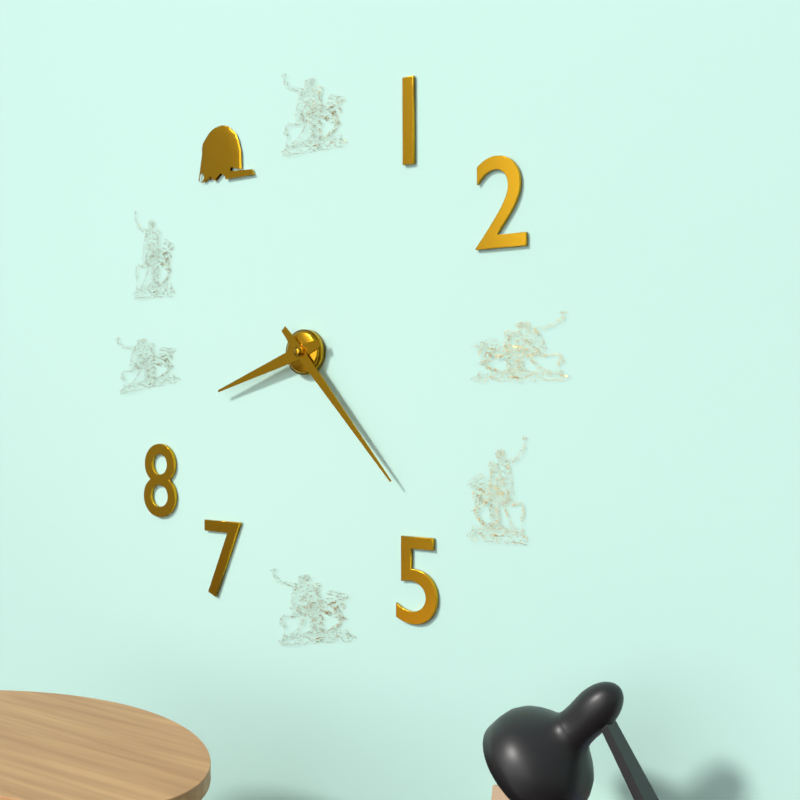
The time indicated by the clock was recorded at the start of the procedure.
8:23
